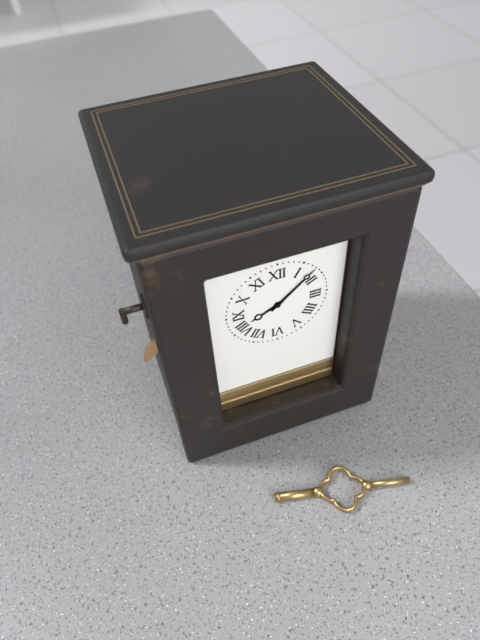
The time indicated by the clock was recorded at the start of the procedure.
8:08
